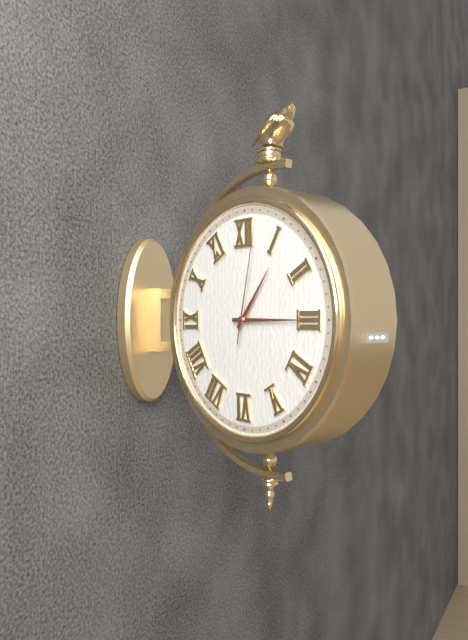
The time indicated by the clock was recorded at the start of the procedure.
1:15:02
